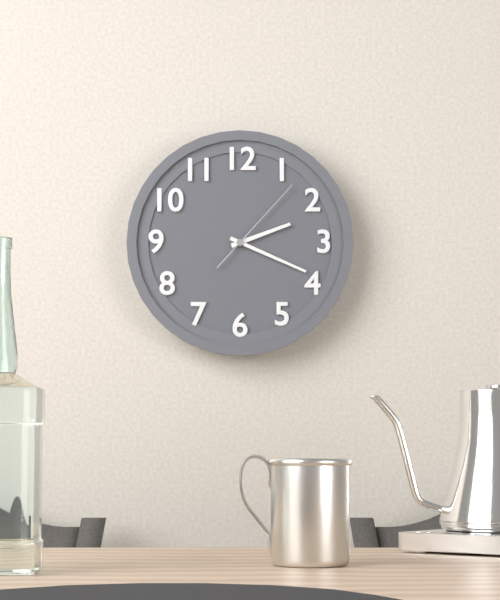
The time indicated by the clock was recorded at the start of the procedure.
2:19:07
